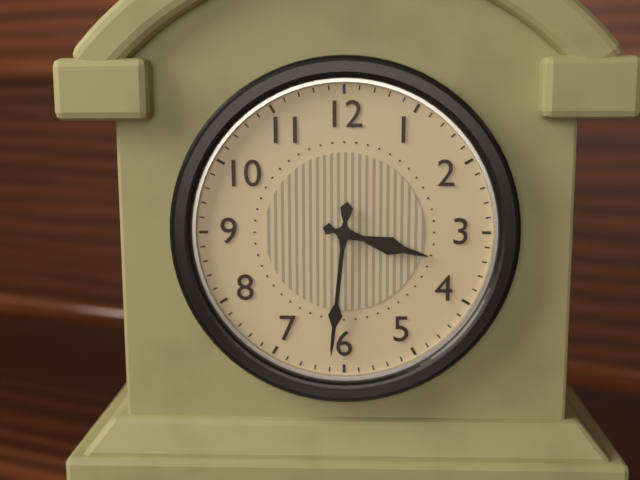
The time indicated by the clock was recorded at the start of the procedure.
3:31
